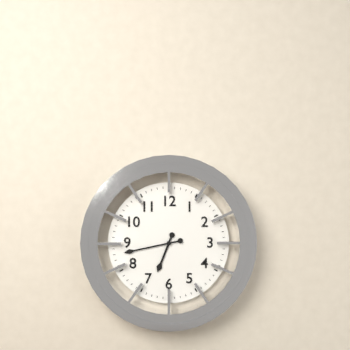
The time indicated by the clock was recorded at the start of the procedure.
6:43
